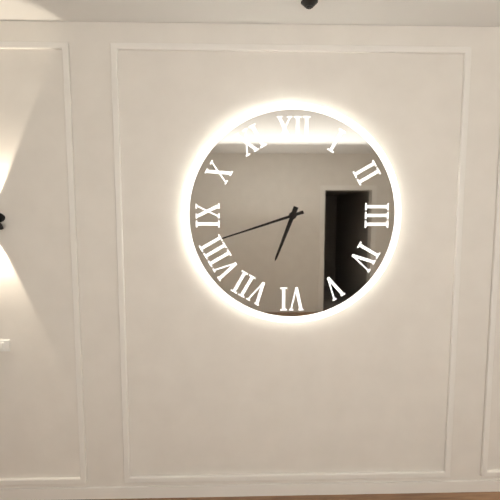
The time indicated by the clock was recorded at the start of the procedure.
6:42
